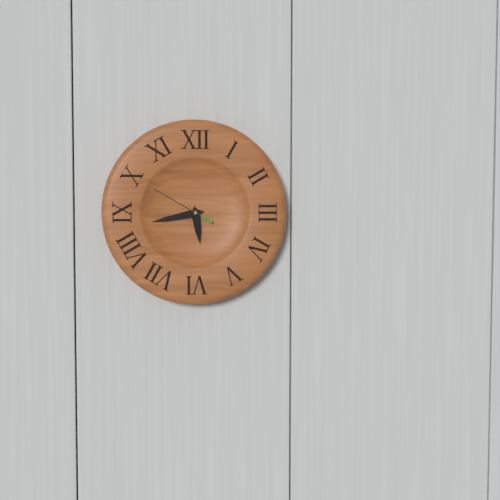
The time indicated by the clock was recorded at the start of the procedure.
5:43:50
